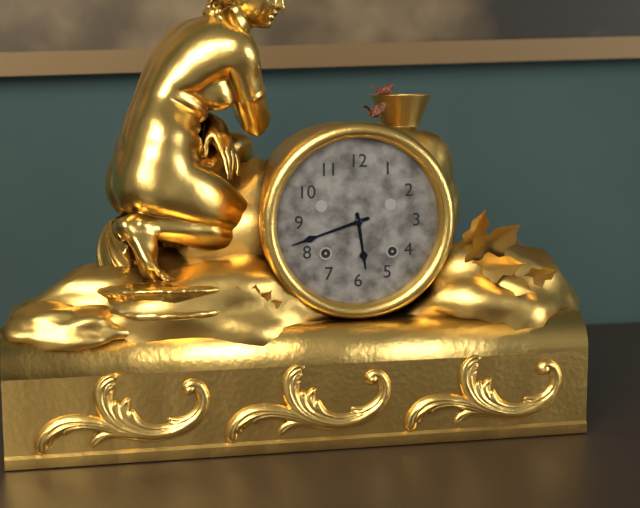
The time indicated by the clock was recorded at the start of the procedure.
5:42
